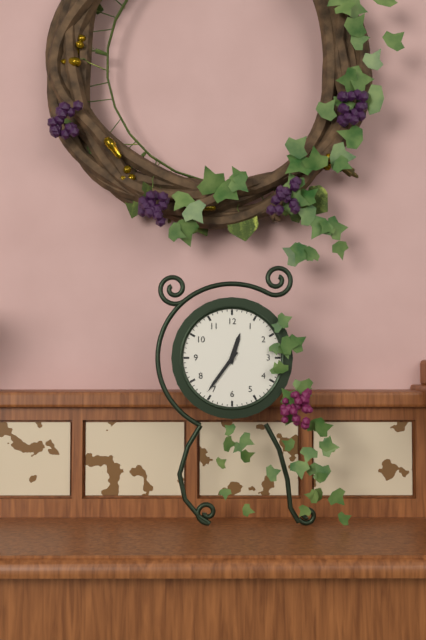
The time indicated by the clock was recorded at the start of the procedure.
12:36
